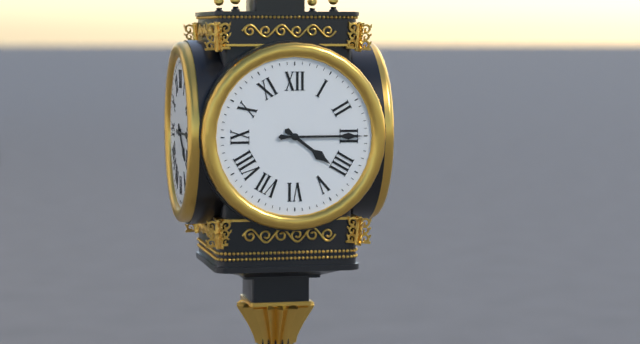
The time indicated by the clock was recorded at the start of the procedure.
4:15
